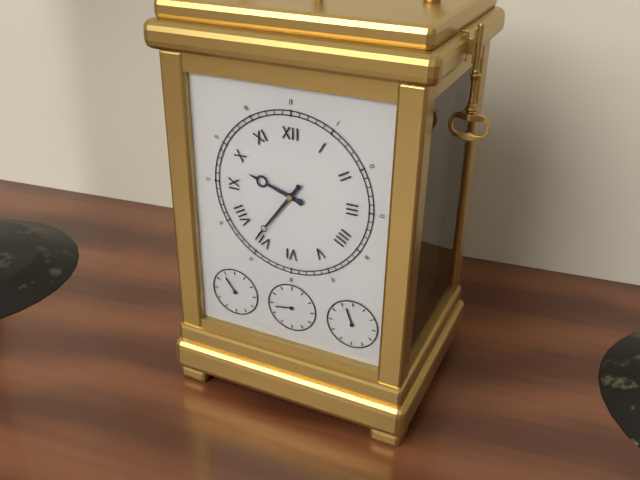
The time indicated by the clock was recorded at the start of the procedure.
9:36
